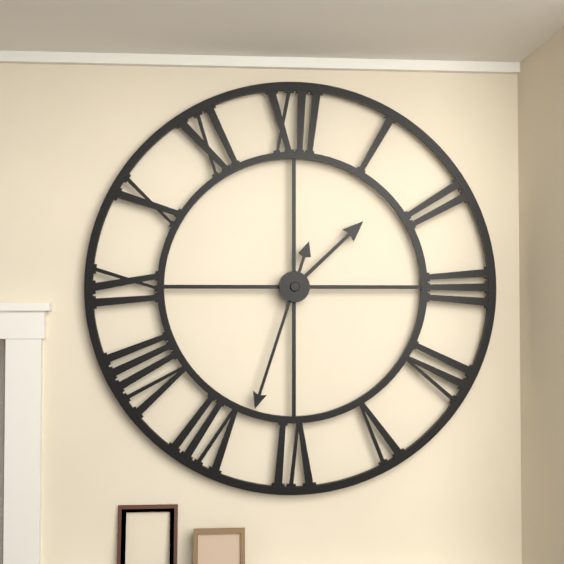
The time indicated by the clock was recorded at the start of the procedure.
1:33
